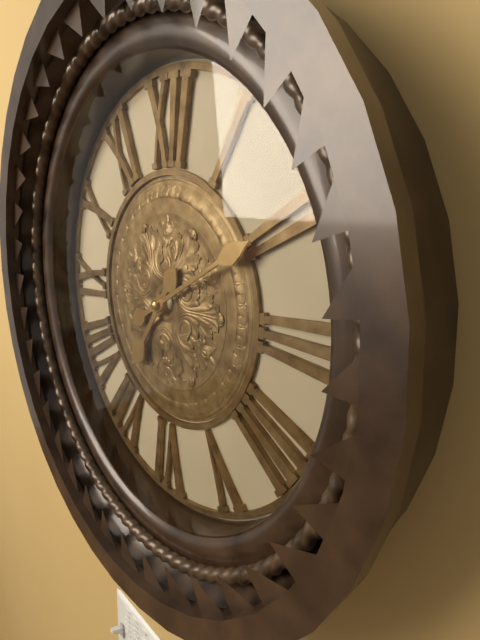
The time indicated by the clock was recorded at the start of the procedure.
7:10
